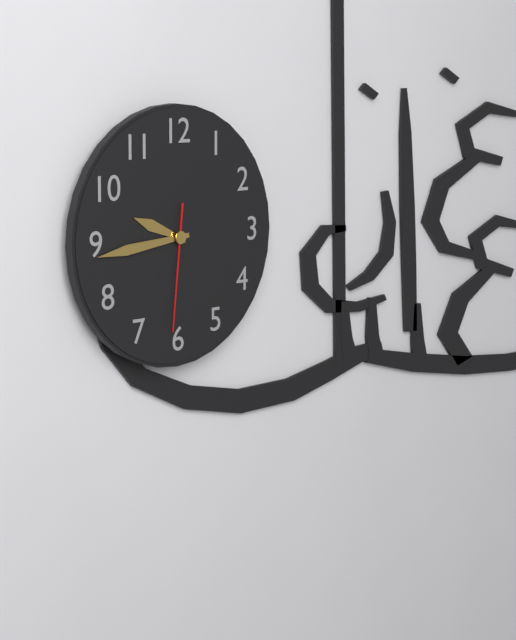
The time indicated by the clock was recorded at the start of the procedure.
9:44:31
